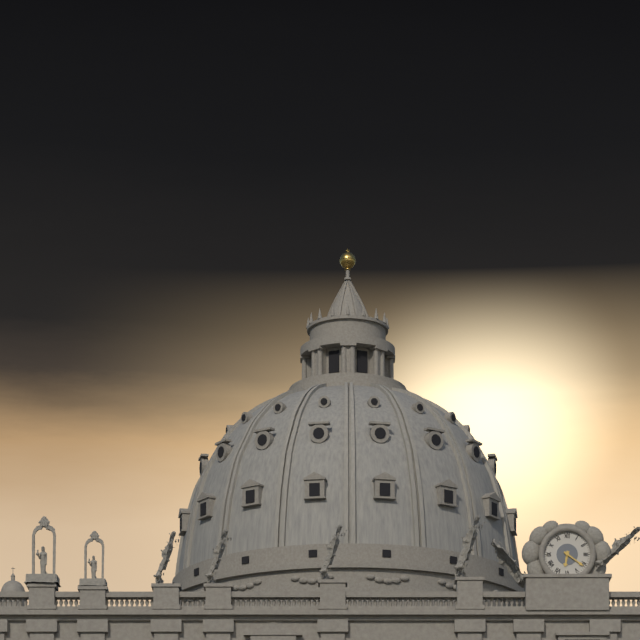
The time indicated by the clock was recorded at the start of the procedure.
6:21
